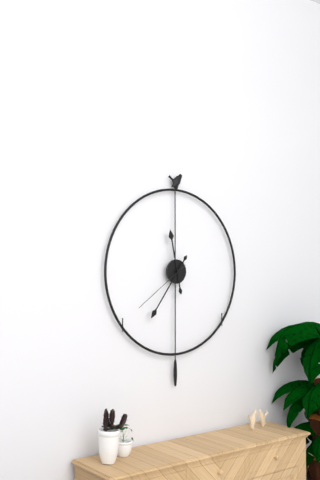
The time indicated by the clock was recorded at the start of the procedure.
11:36:39
